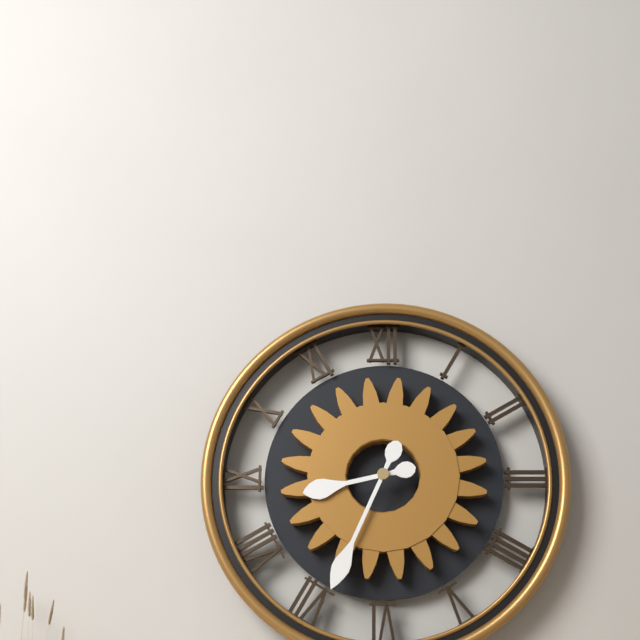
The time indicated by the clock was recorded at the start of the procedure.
8:34
